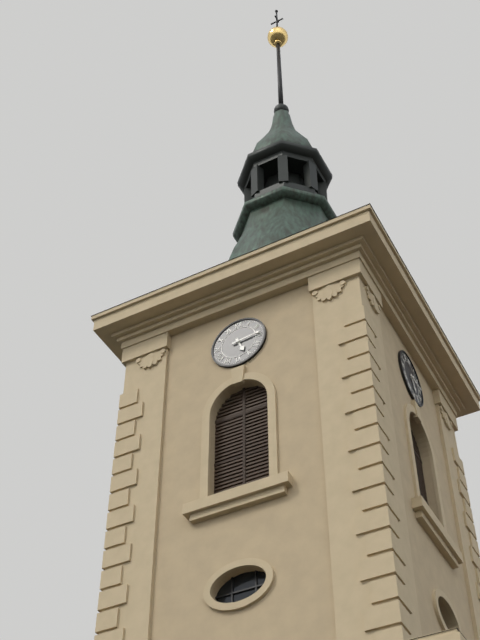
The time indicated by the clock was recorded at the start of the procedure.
5:14
